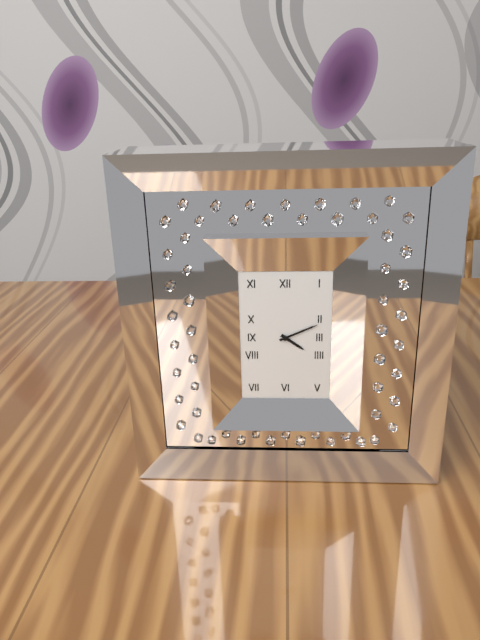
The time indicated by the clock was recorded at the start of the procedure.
4:11
